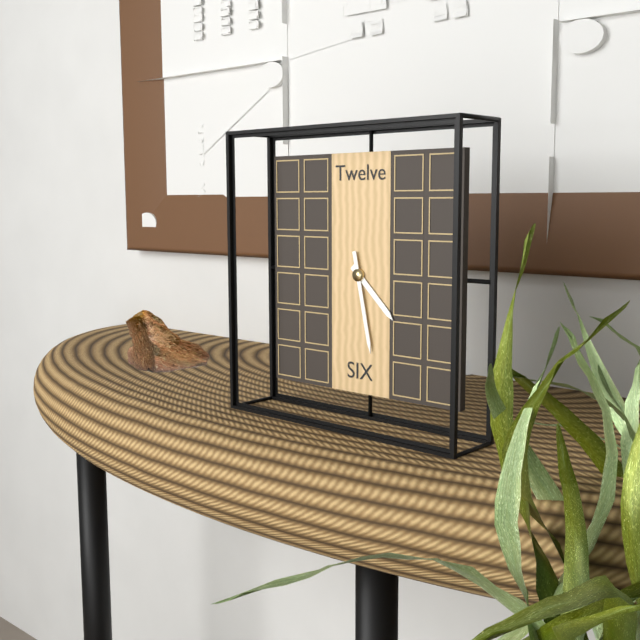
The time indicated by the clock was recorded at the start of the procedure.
4:28
